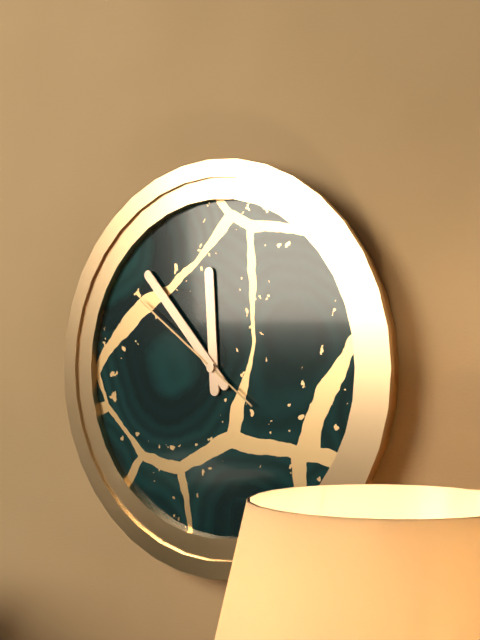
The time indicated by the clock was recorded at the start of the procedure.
11:53:51
